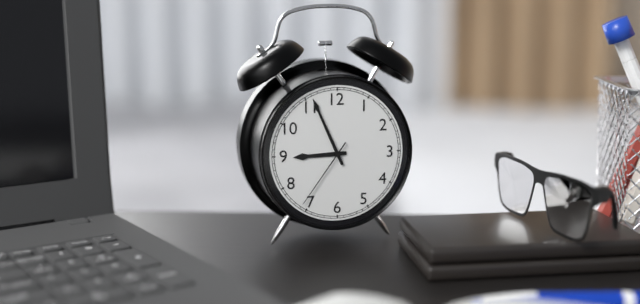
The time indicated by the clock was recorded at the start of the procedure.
8:56:36
